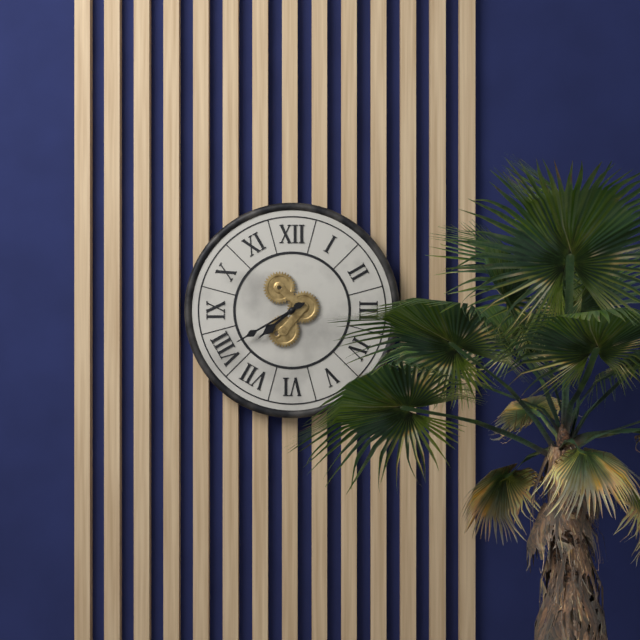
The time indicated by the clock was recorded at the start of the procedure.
7:40
